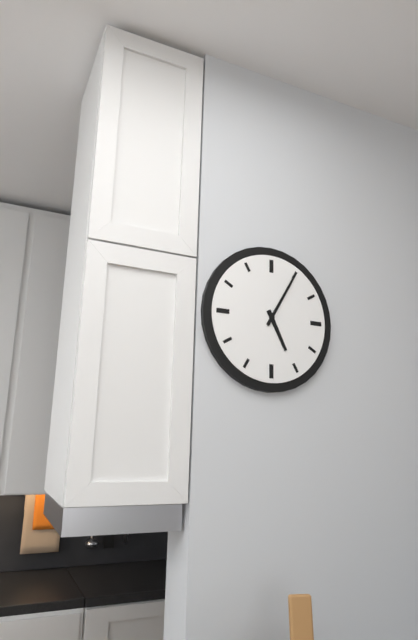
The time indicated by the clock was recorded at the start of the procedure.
5:05
